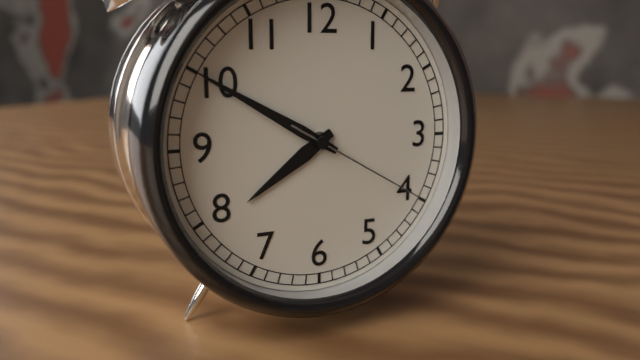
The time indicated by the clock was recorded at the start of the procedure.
7:50:20
